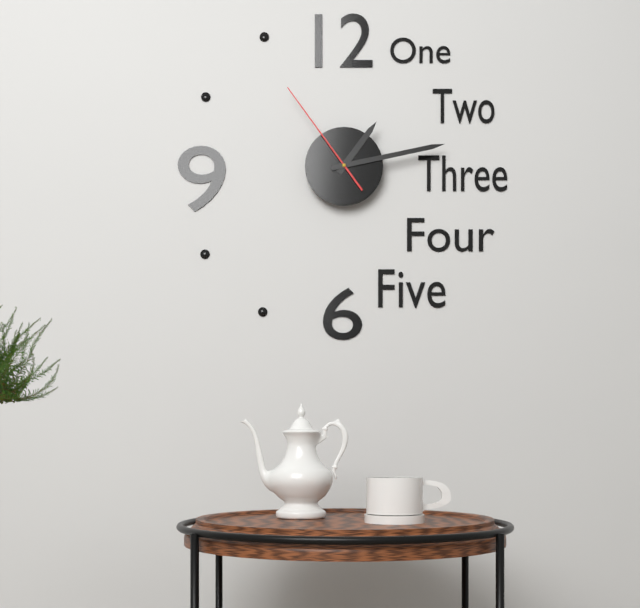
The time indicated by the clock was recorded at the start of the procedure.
1:13:54
